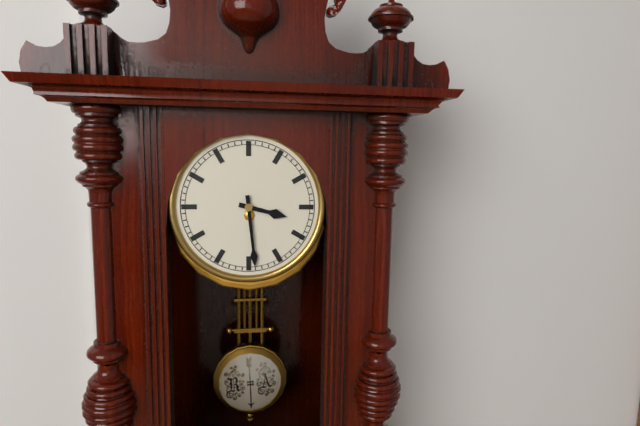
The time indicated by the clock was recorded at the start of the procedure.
3:29
